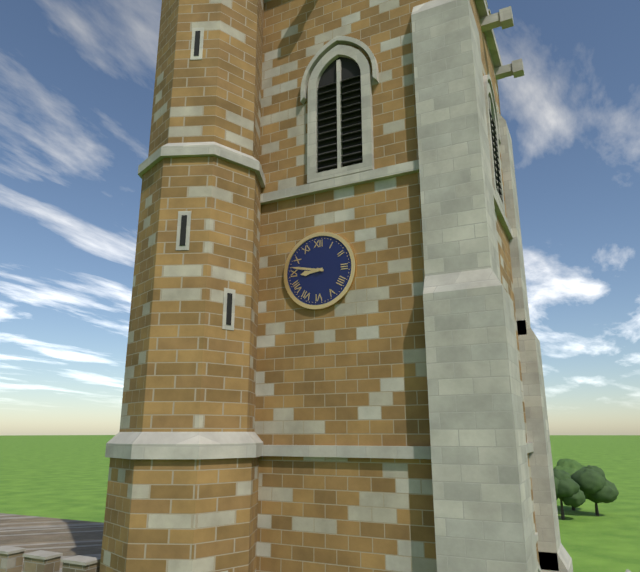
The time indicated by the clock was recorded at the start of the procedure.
8:47
